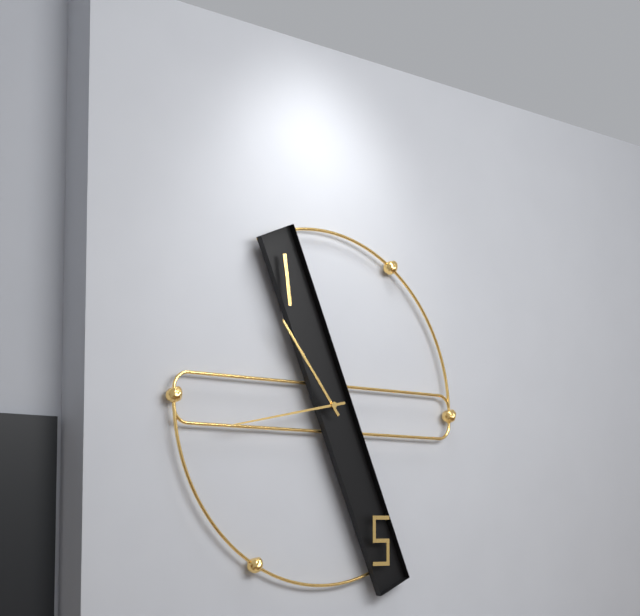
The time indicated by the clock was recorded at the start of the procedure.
10:43
